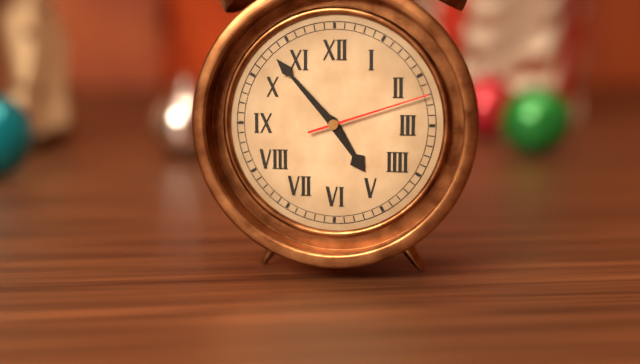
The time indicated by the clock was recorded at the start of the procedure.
4:53:12
